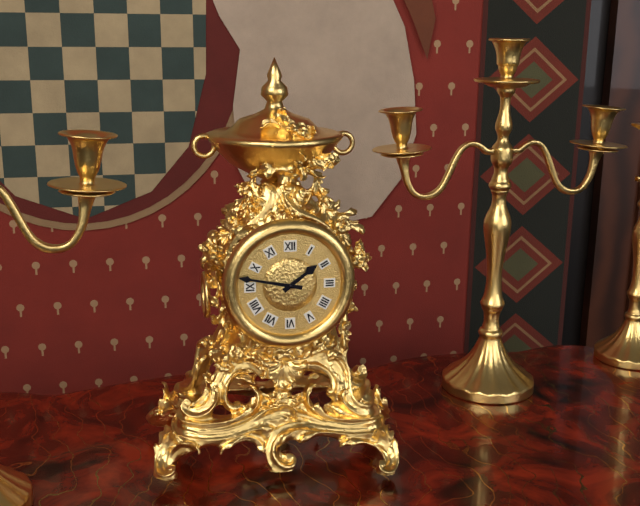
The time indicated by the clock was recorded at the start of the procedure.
1:47
